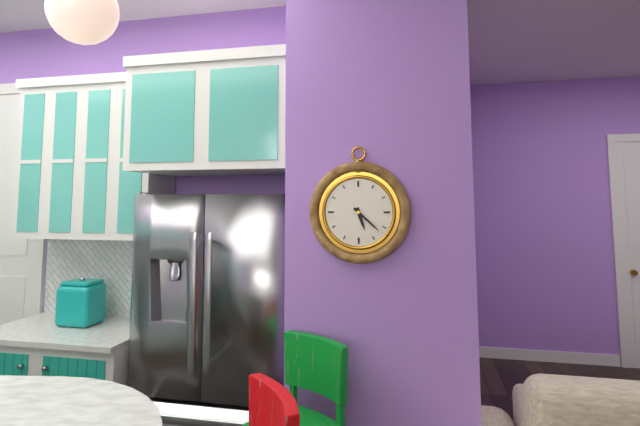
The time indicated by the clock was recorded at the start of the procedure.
5:22
